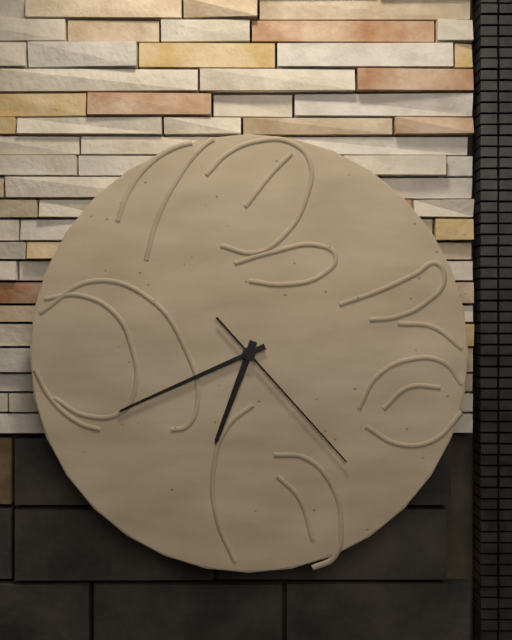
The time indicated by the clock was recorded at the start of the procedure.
6:41:23
